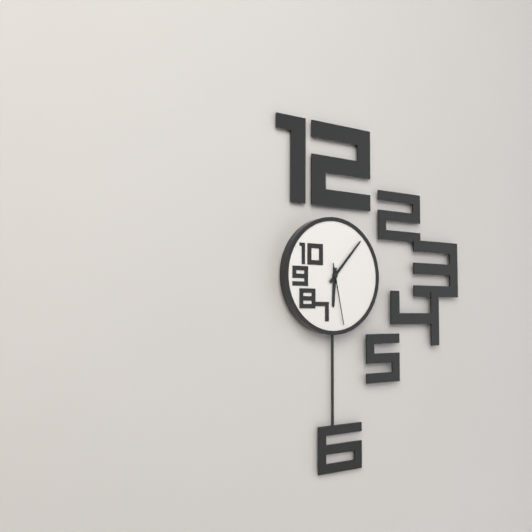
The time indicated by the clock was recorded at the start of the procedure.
6:07:28
